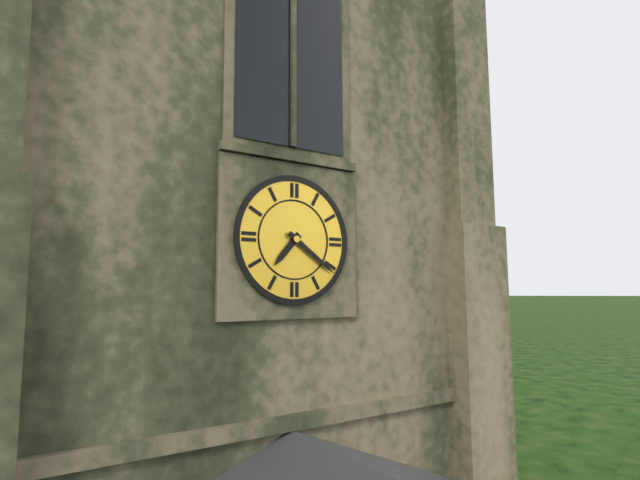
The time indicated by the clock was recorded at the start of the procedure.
7:21
